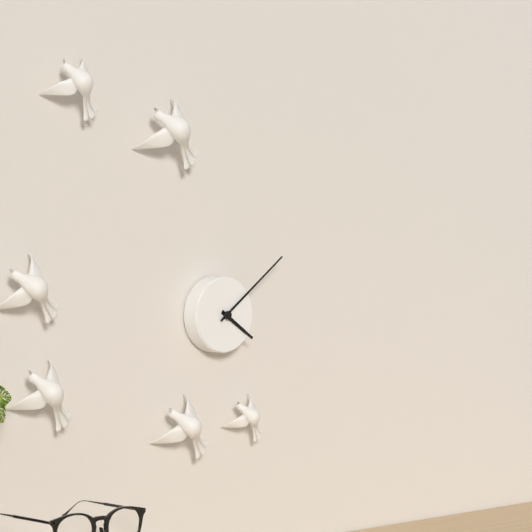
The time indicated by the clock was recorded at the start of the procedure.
4:09
